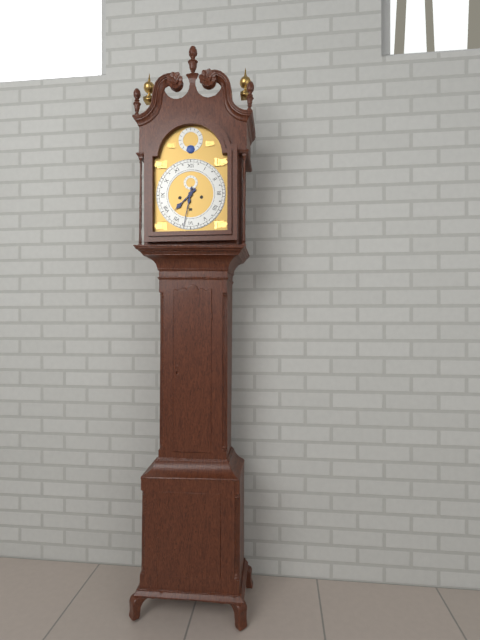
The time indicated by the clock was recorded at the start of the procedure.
7:32
